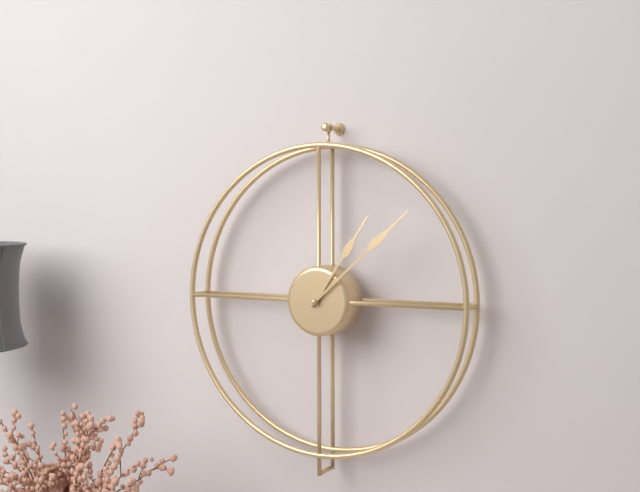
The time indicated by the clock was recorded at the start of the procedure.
1:08
